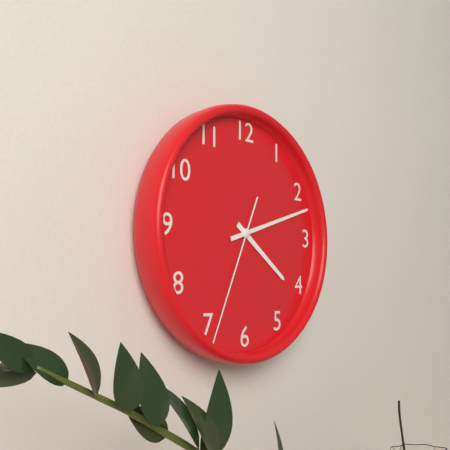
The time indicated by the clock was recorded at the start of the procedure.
4:12:34
